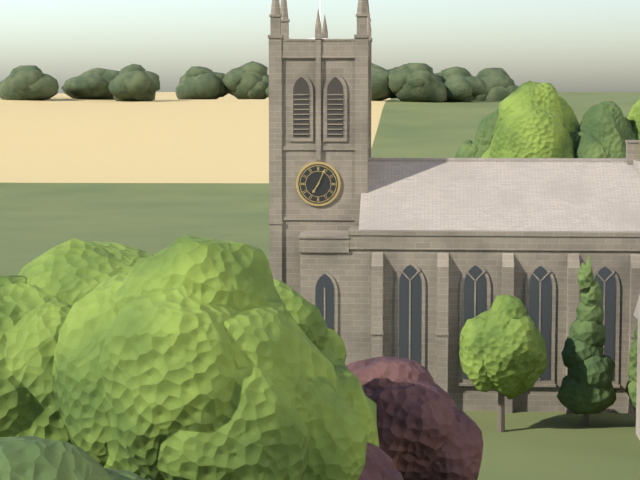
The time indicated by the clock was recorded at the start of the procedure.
7:04
